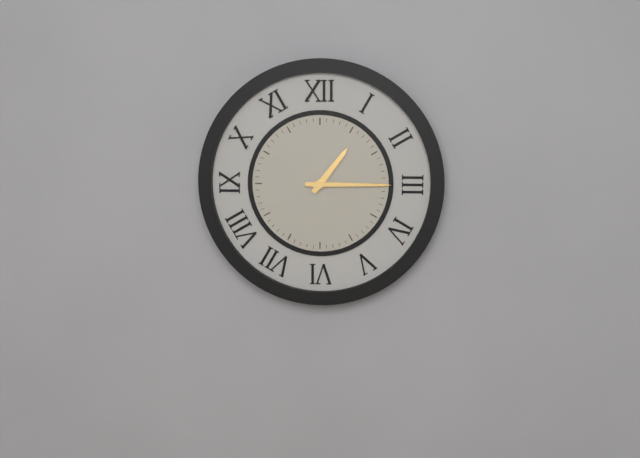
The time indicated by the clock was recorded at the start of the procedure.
1:15
